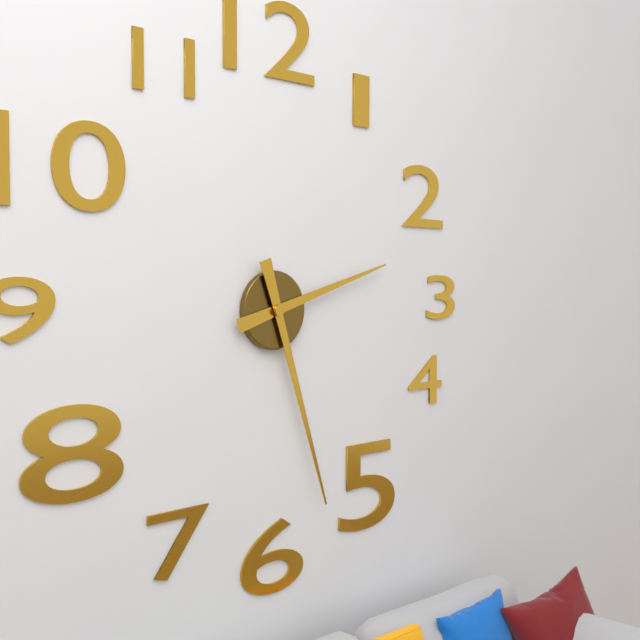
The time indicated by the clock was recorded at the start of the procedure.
2:27
